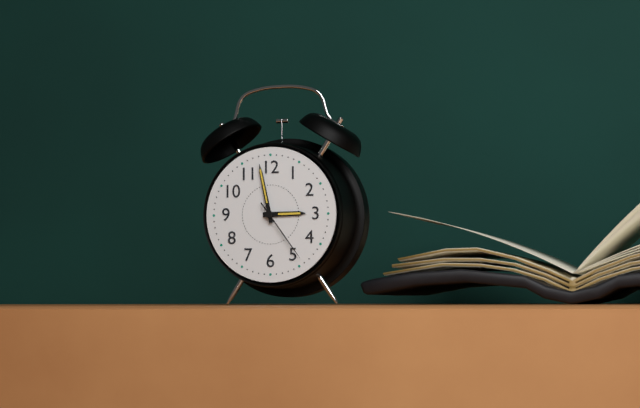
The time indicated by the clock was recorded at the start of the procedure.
2:58:24
